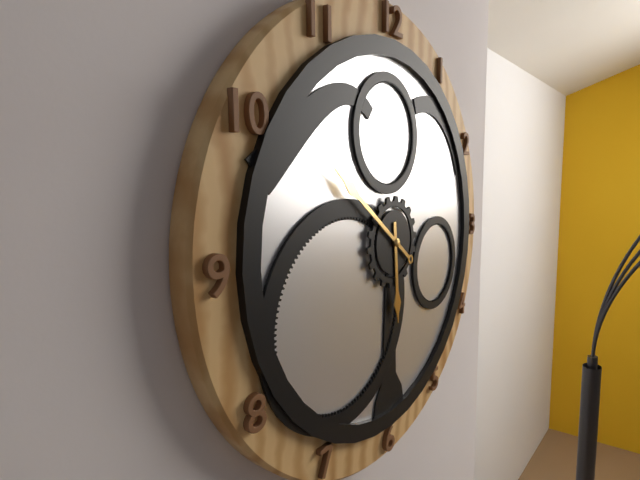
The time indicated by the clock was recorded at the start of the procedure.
5:51
